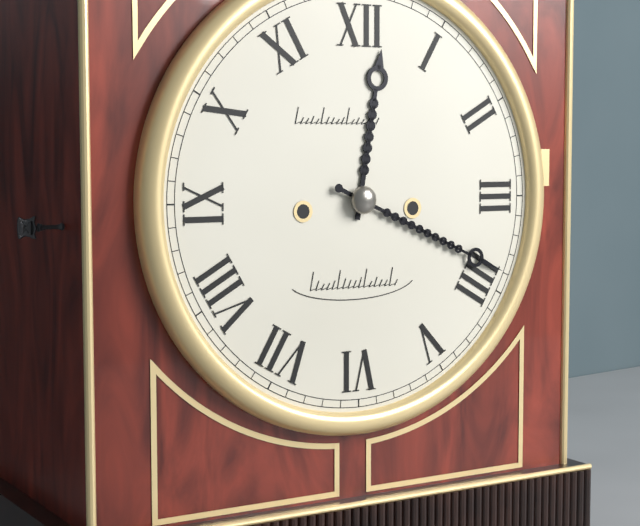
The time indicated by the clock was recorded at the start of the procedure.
12:19
